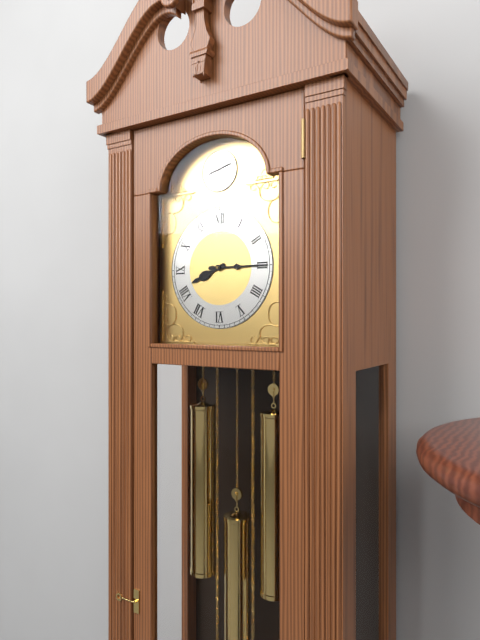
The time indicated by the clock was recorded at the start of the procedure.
8:15
